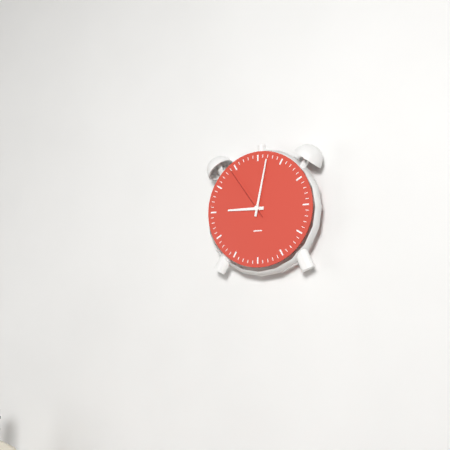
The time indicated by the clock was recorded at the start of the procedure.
9:02:54
